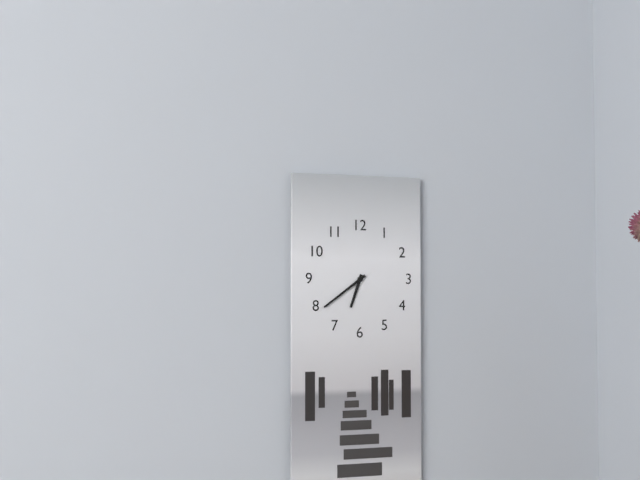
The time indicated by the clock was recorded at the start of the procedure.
6:39
